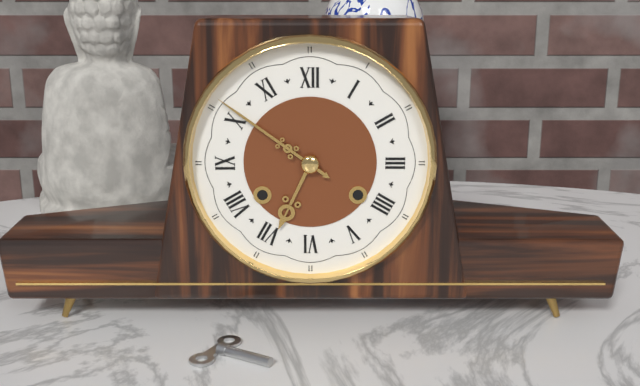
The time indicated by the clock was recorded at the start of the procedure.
6:51
